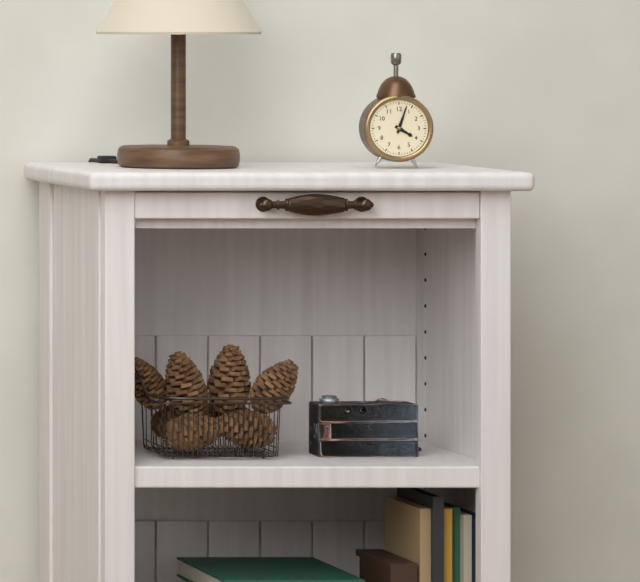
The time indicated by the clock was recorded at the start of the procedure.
4:03
